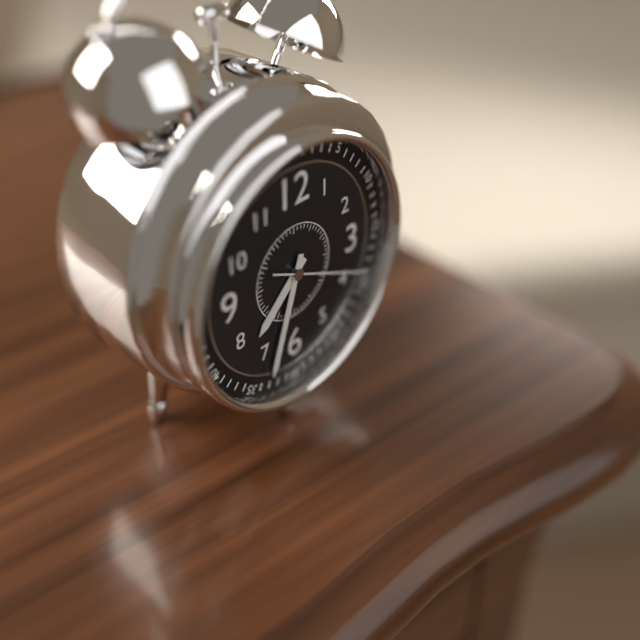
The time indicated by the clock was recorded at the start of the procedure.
7:33:19
